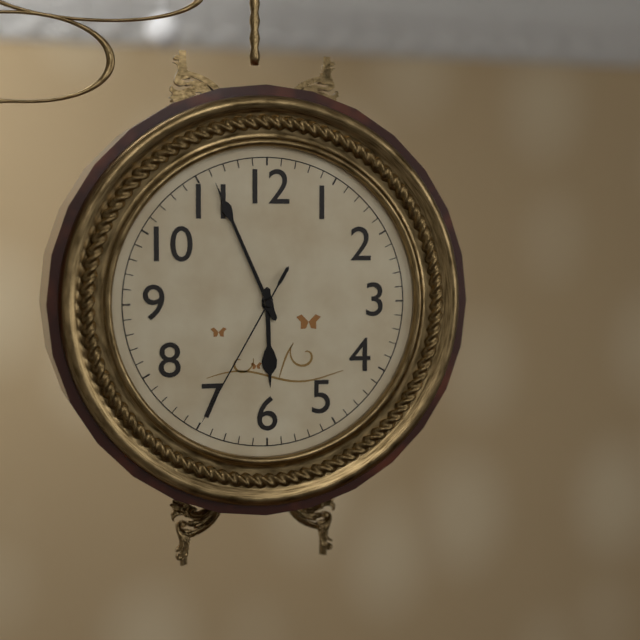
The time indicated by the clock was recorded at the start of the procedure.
5:56:35
